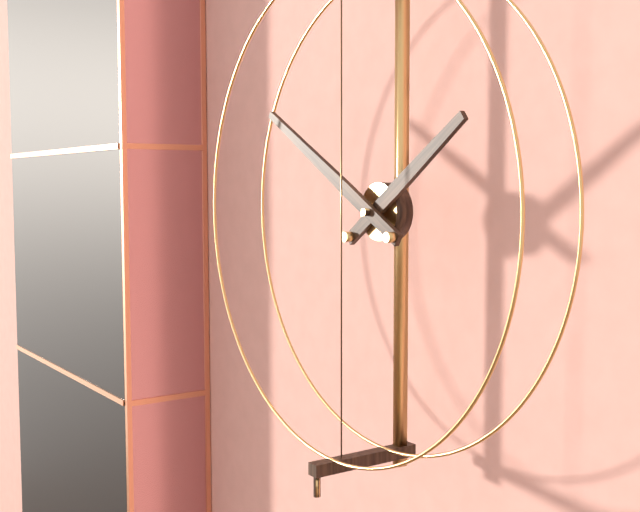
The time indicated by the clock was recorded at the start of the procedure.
1:50
